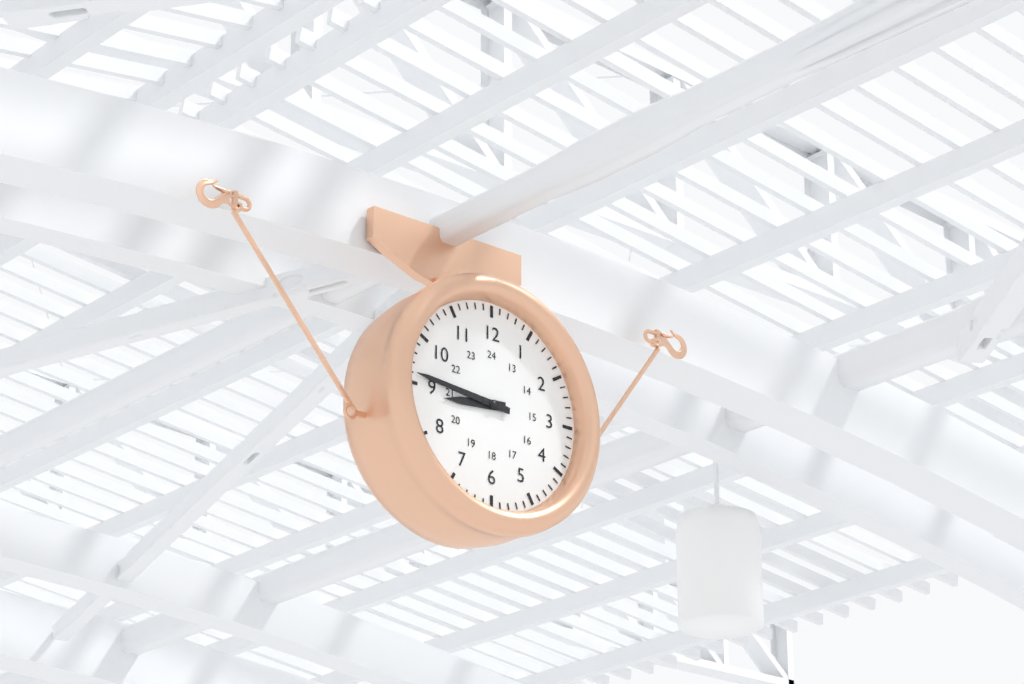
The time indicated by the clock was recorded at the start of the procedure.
8:46
